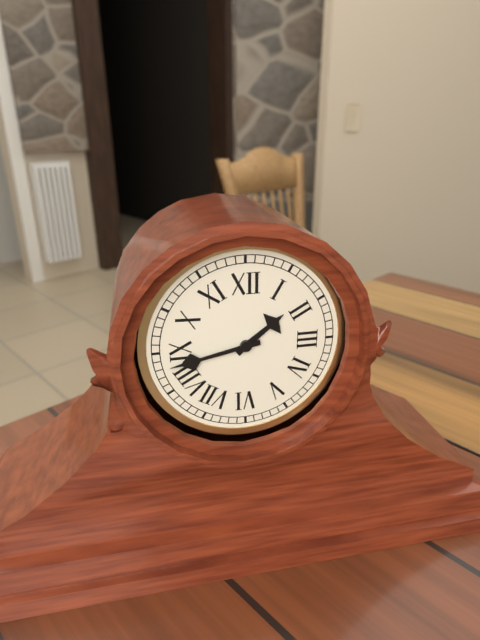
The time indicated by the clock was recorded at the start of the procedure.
1:43
